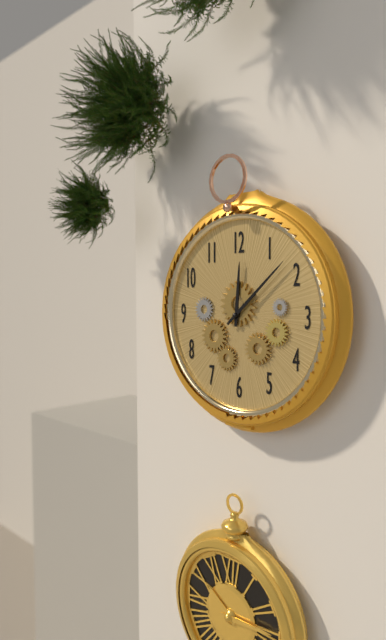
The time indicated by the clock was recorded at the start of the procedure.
12:08
